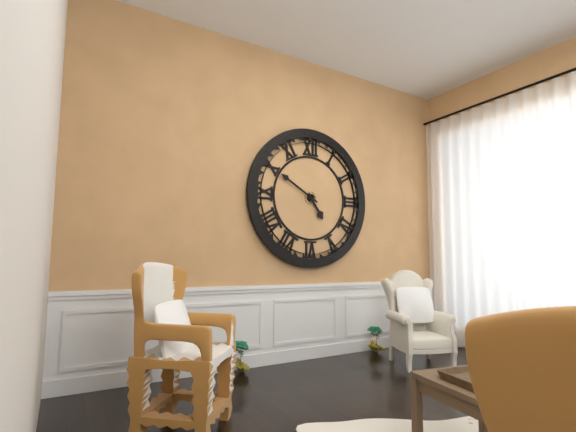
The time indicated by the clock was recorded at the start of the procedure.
4:50
